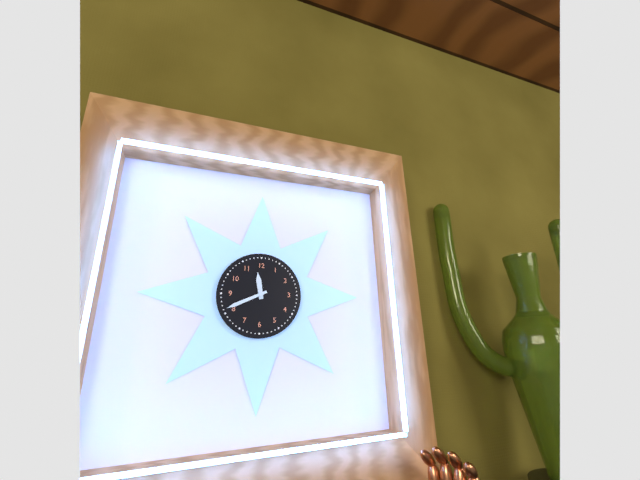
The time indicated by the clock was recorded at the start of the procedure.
11:41
